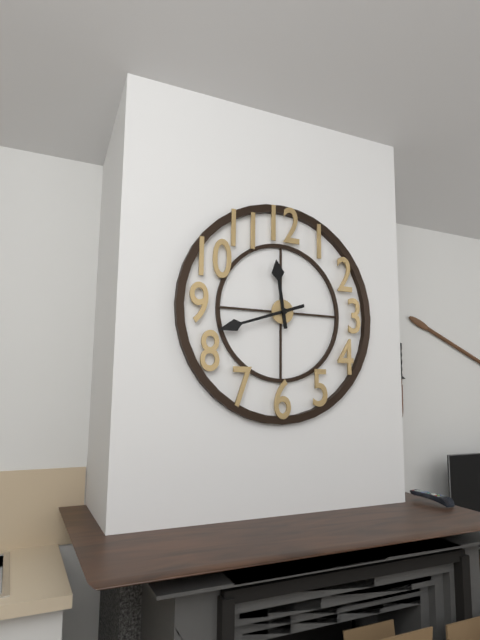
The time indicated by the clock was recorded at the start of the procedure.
11:42
